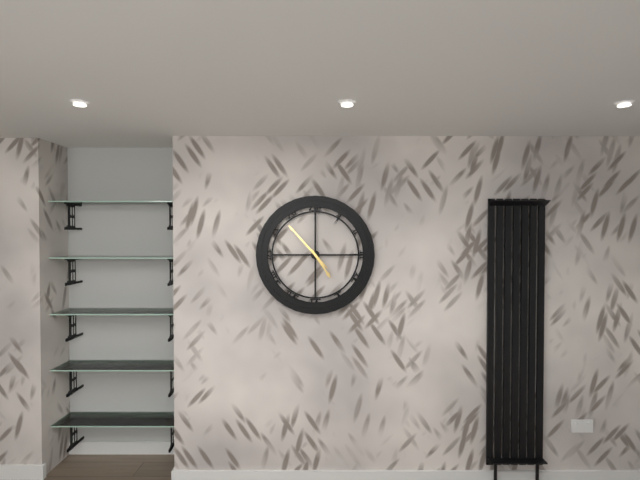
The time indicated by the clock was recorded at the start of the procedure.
4:53
